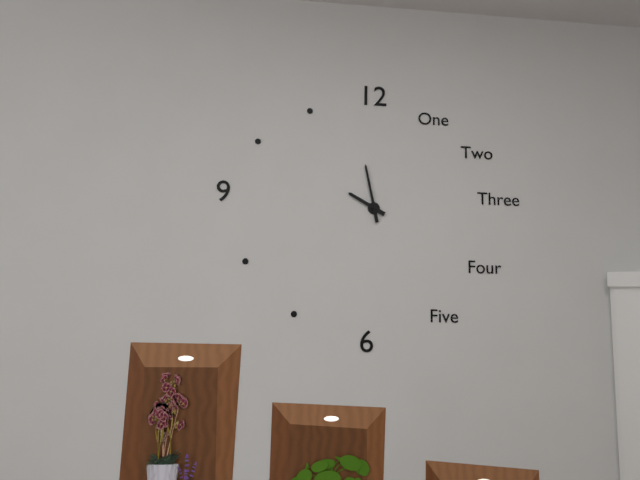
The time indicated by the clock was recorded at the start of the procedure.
9:58
